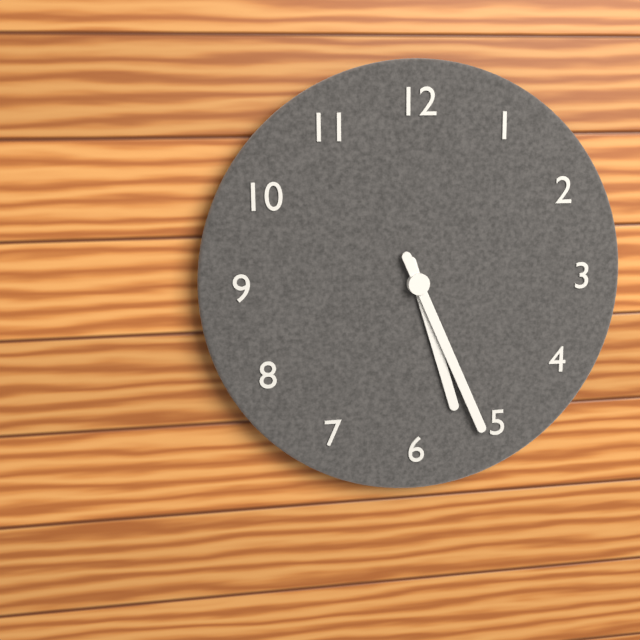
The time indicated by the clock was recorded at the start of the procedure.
5:26
